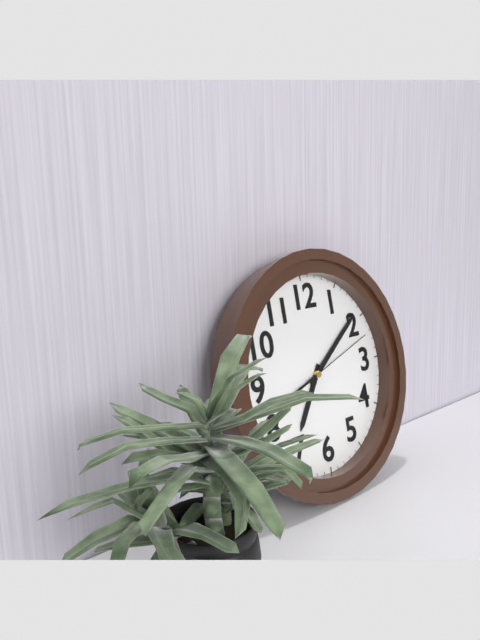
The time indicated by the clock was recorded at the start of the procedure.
7:09:12
